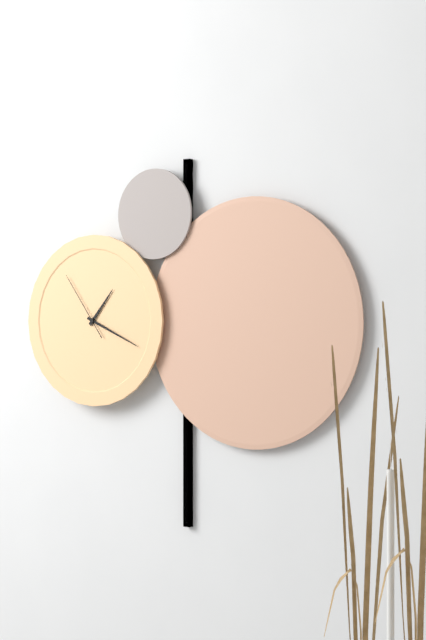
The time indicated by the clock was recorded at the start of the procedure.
1:19:54
